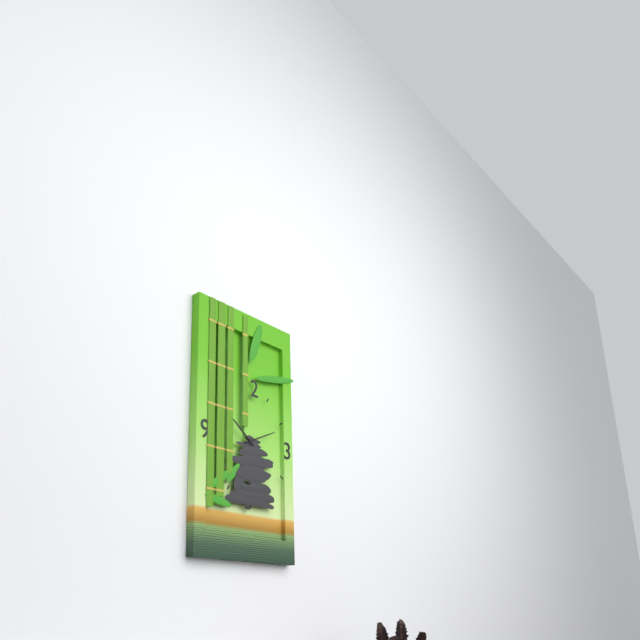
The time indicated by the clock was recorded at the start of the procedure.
10:11
